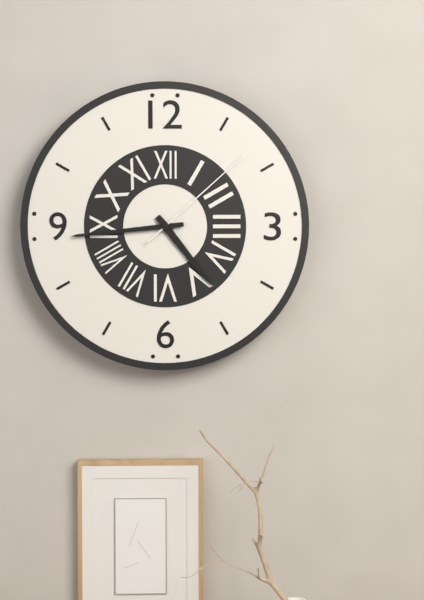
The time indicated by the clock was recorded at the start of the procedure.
4:44:08
